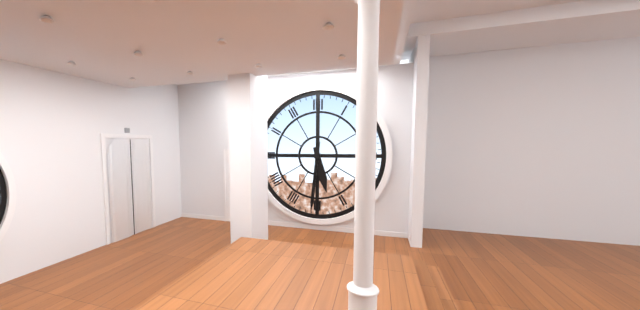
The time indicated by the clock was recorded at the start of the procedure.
5:31
